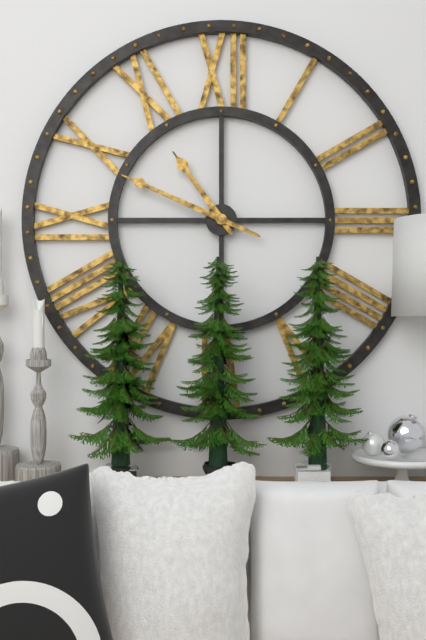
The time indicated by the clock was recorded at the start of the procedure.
10:49
